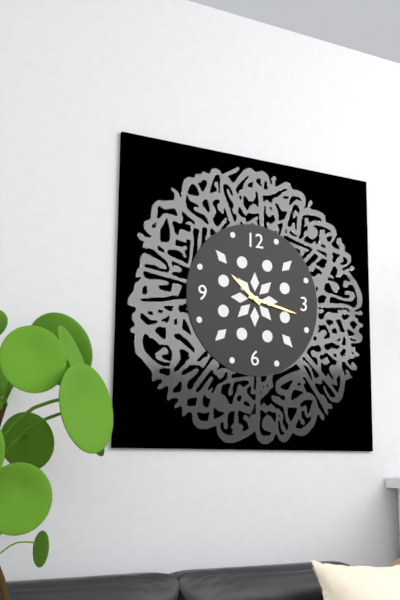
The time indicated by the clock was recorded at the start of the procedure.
10:17
